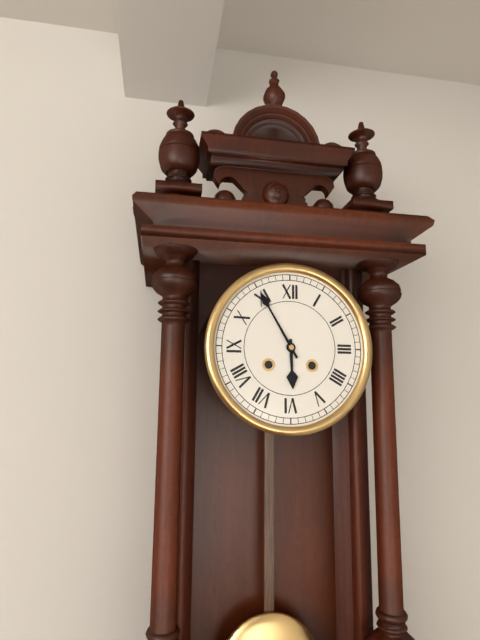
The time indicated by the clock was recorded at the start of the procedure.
5:55
